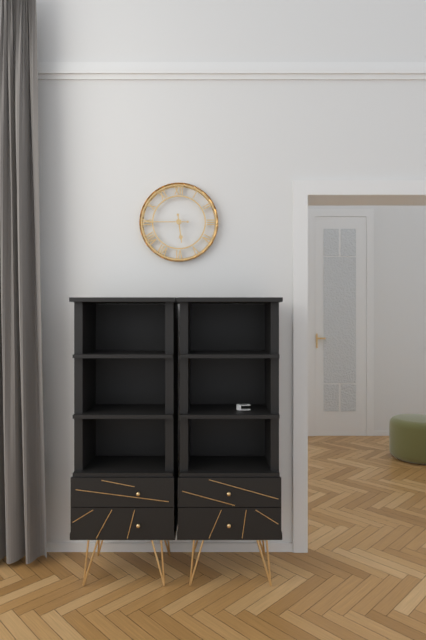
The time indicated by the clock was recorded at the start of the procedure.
5:45
